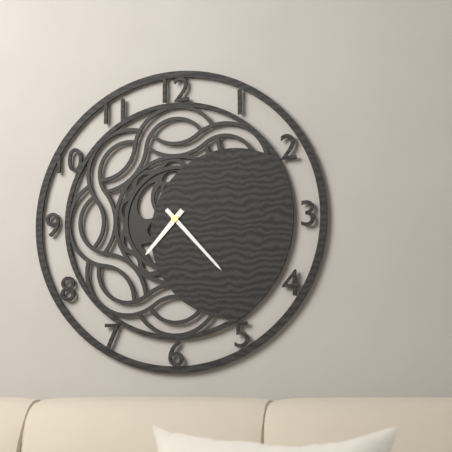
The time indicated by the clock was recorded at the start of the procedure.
7:23
